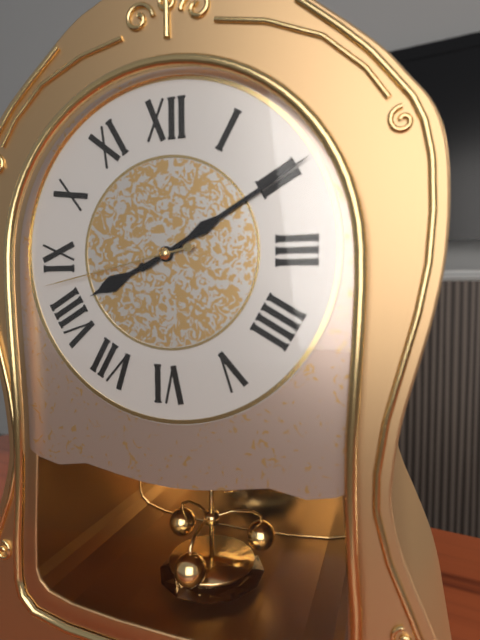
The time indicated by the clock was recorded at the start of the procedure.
8:10:43
